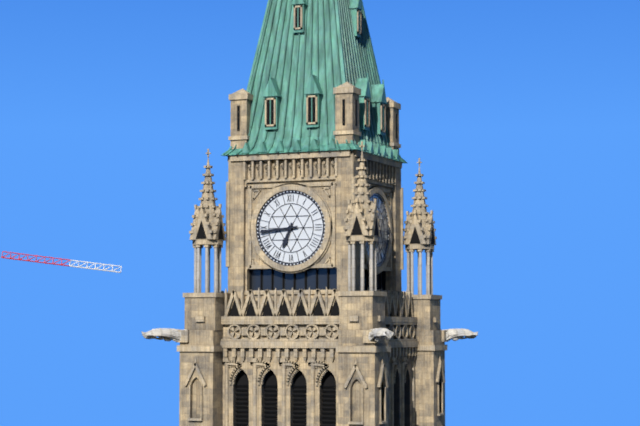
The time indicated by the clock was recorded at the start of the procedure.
6:44
